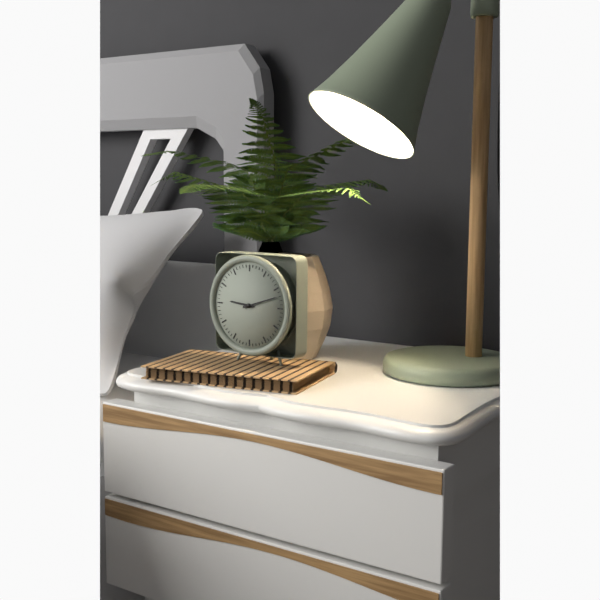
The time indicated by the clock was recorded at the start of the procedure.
9:12
